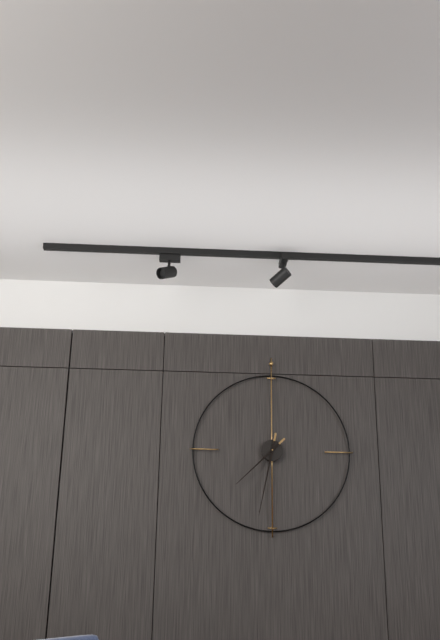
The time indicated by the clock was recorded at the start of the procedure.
7:32
